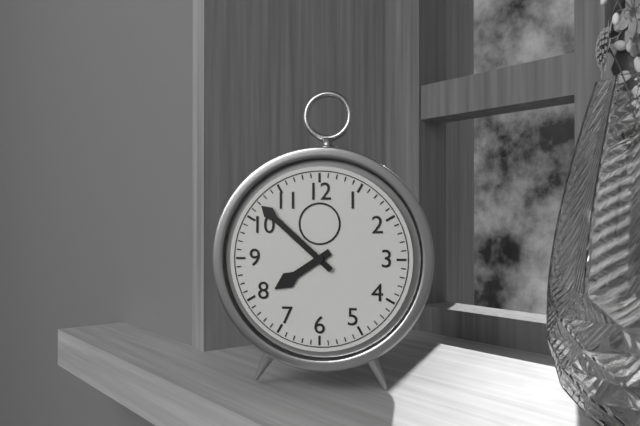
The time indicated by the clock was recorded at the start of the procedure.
7:52
